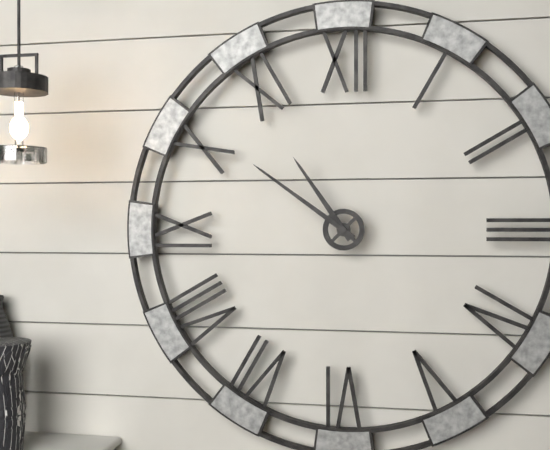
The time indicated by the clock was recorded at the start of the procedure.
10:51
